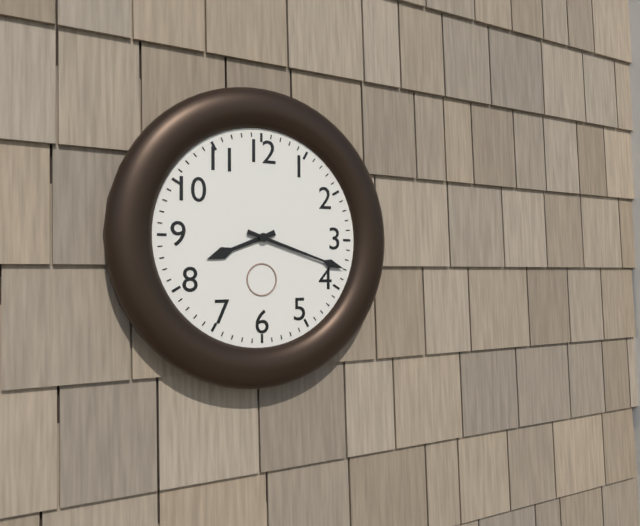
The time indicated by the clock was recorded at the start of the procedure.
8:18
